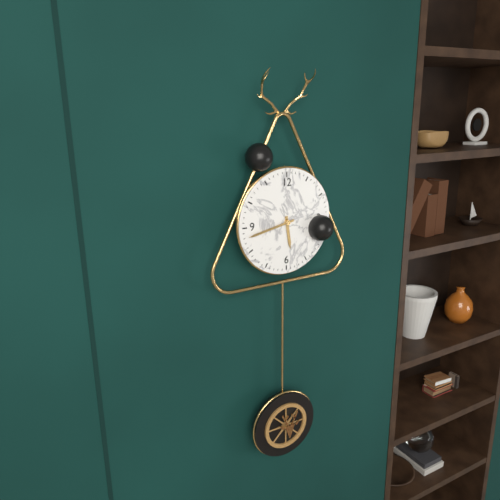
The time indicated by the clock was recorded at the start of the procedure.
5:43
